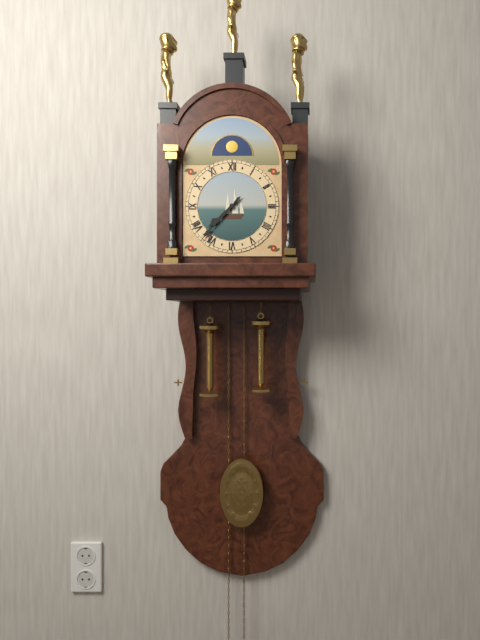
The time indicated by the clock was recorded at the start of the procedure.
7:37
